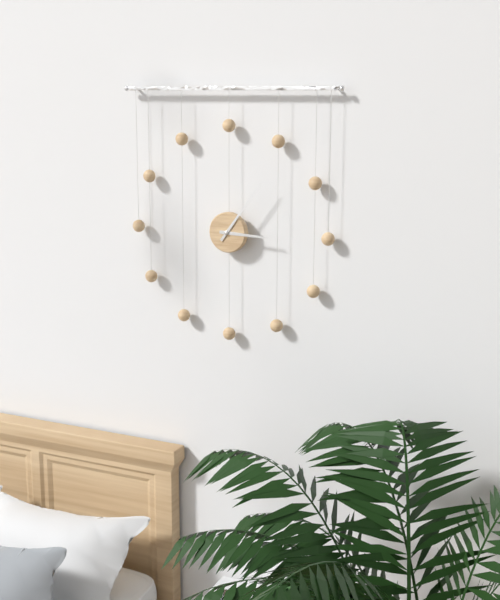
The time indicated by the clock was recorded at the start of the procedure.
3:06
